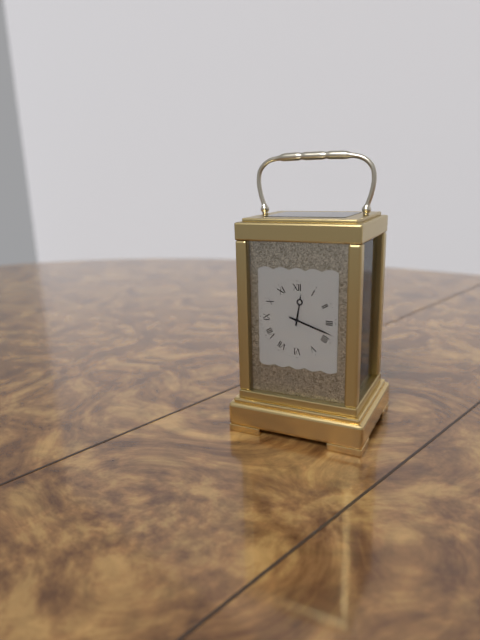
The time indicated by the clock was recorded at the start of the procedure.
12:18
